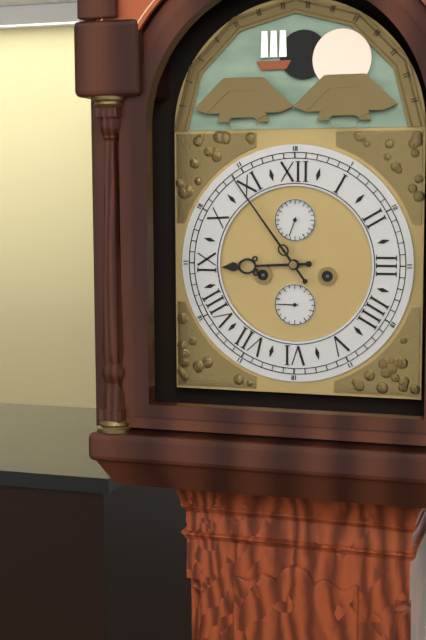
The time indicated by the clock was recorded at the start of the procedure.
8:54
